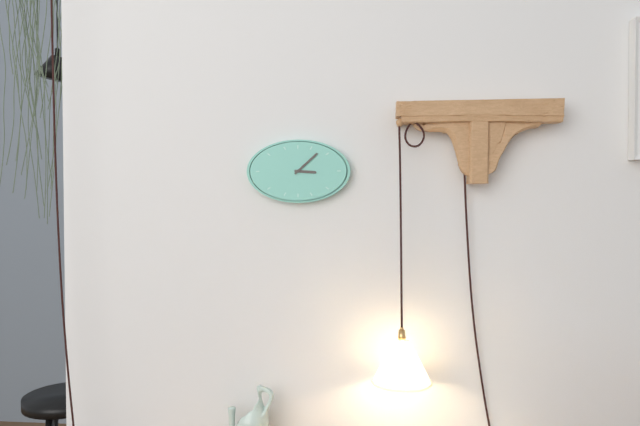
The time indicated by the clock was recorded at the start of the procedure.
3:08
